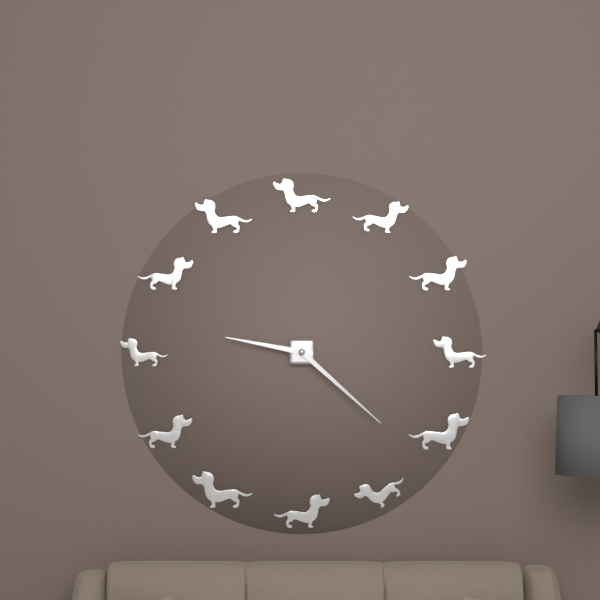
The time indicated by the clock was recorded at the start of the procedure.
9:22
